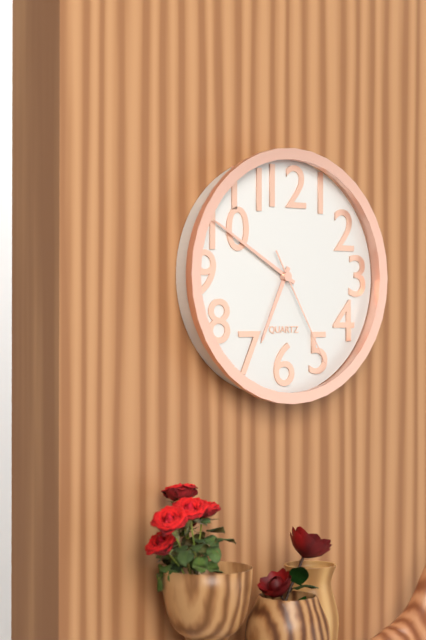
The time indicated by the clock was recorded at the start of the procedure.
6:50:25
